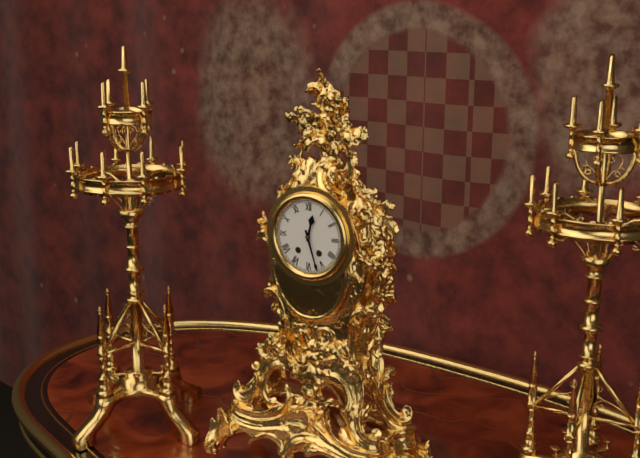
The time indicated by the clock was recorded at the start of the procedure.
12:27
